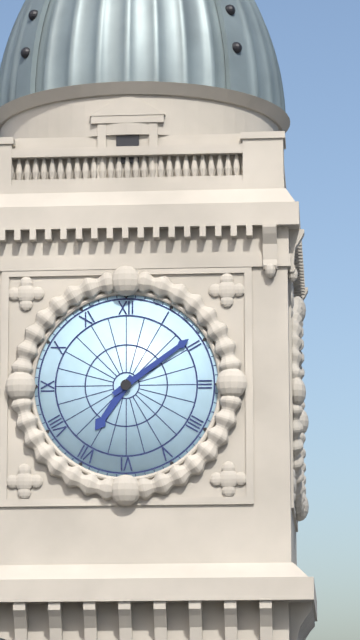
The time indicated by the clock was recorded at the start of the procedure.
7:09
